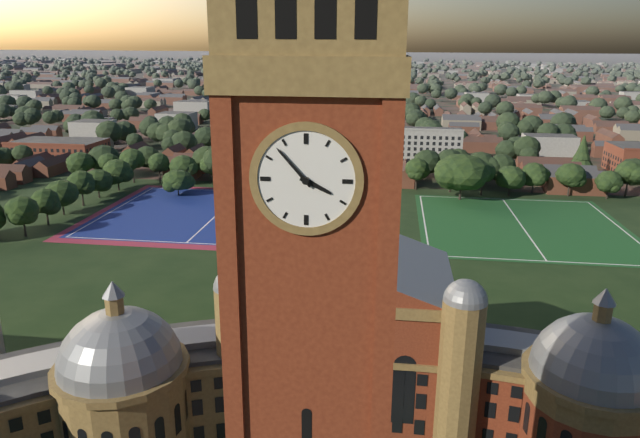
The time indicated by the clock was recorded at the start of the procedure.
3:53
